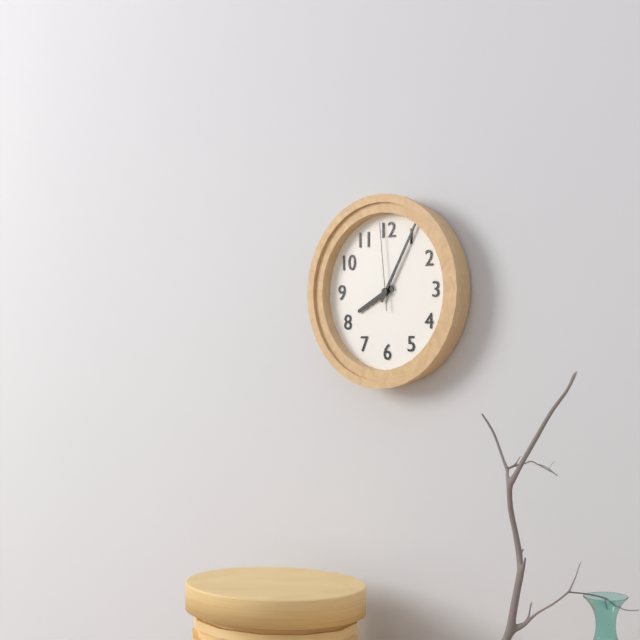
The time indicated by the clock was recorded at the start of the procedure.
8:05:59
